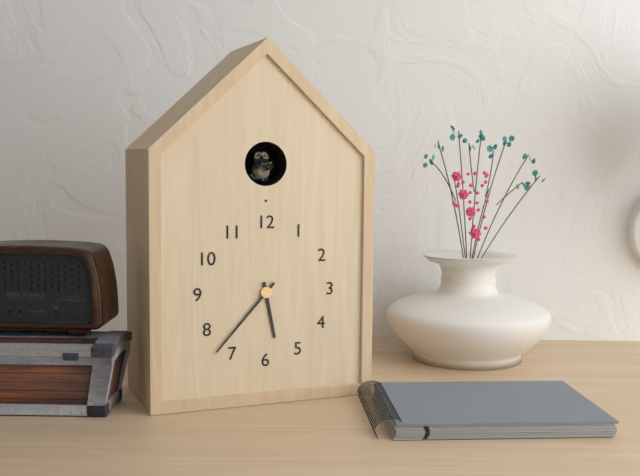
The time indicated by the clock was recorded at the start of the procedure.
5:37
